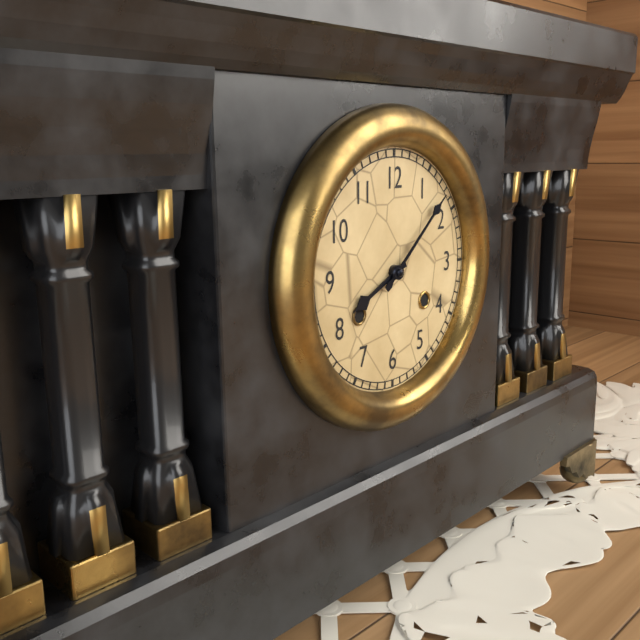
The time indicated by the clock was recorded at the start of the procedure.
8:08
